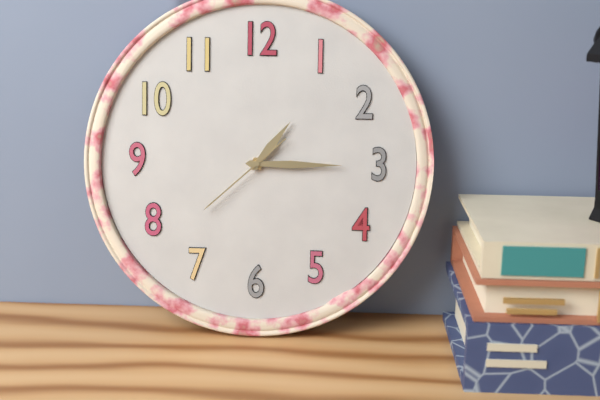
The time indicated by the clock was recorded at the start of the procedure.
1:15:38
